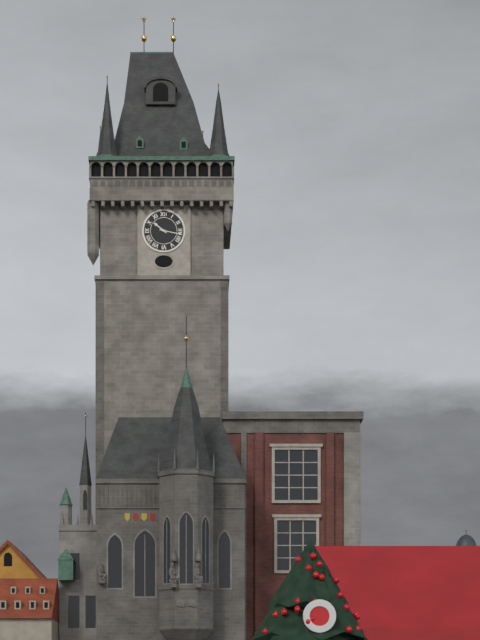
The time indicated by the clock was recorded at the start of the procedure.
10:17
